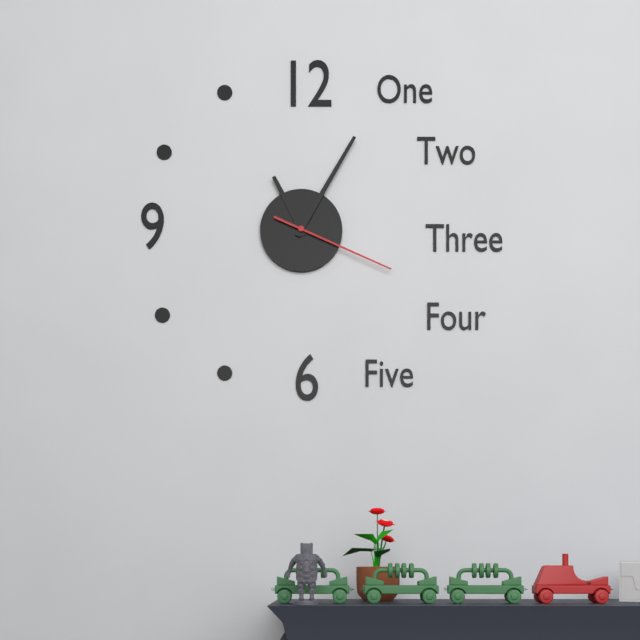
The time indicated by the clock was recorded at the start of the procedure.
11:05:19
